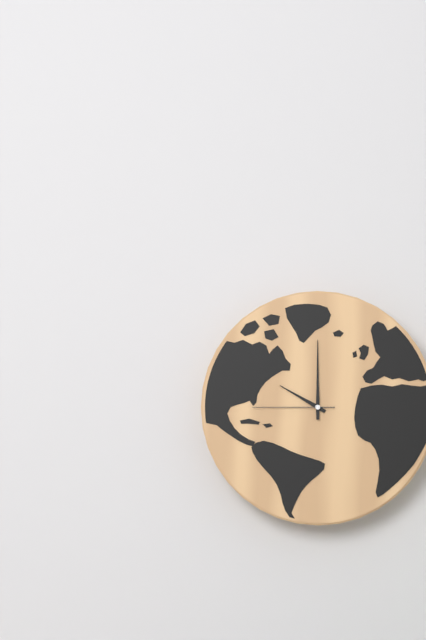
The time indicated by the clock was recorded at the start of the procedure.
10:00:45
